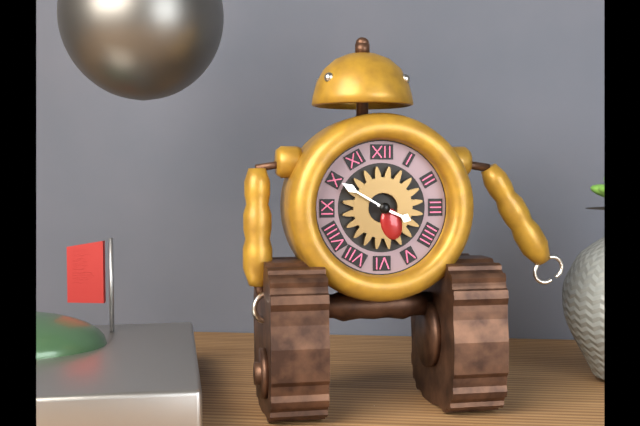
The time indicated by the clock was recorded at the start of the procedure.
3:50
